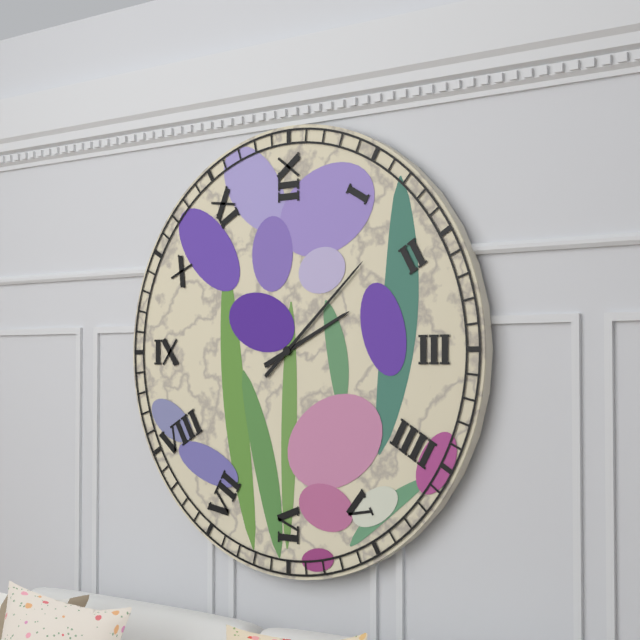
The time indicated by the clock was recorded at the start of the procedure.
2:08
